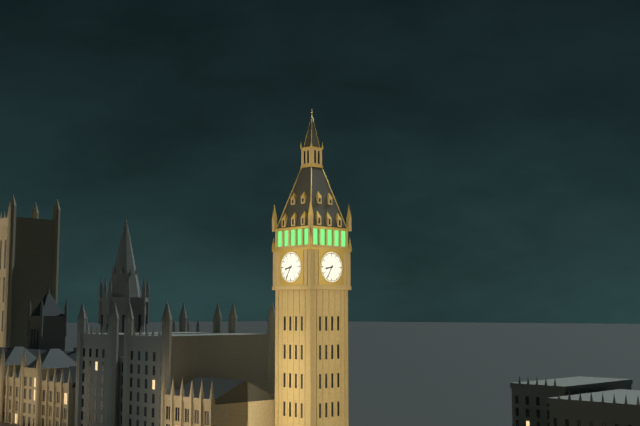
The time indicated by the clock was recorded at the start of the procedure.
8:35
